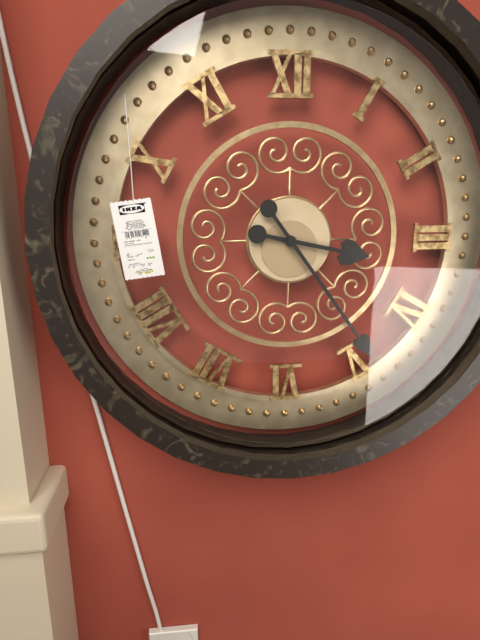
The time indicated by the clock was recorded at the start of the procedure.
3:24
